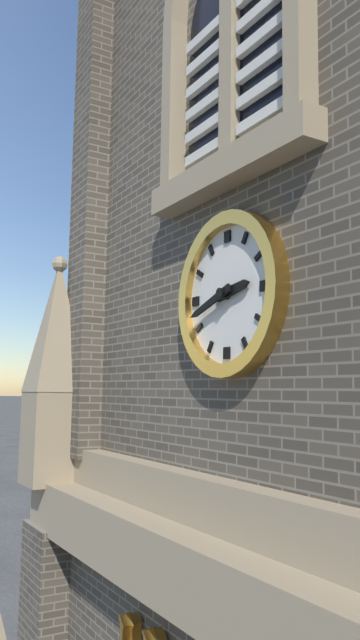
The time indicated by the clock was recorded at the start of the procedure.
2:42
